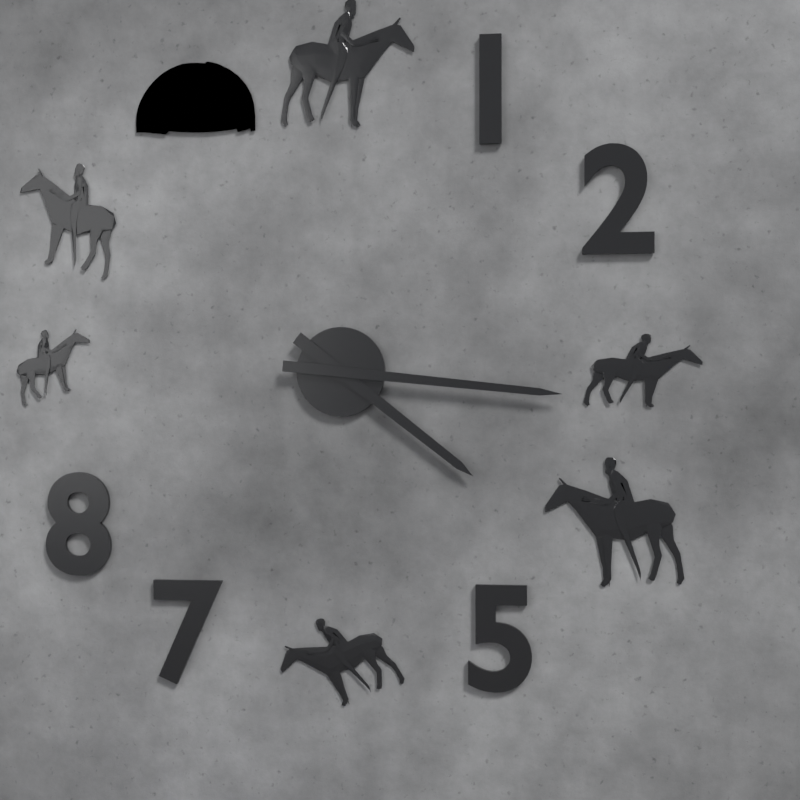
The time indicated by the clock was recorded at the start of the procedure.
4:16
